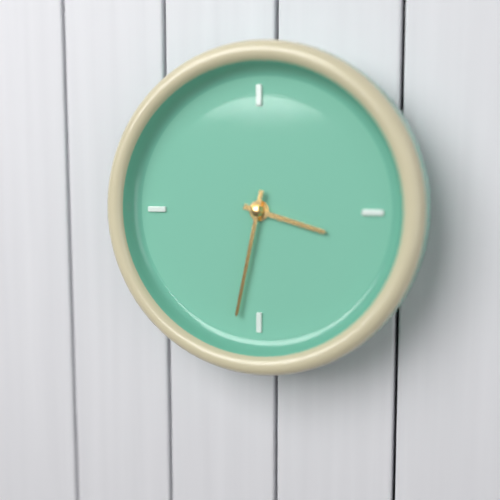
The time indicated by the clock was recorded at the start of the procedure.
3:32
